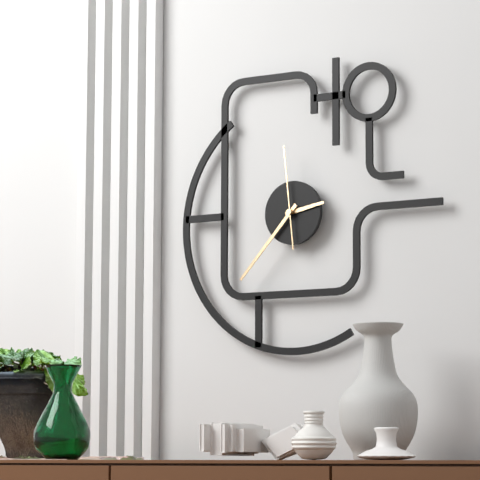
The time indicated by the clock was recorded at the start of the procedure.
2:37:59
